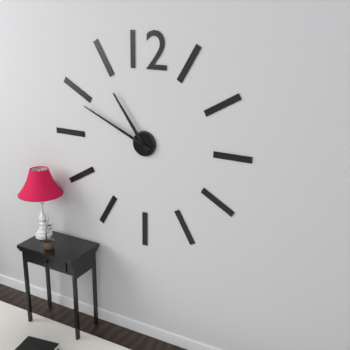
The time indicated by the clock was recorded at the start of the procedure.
10:49
